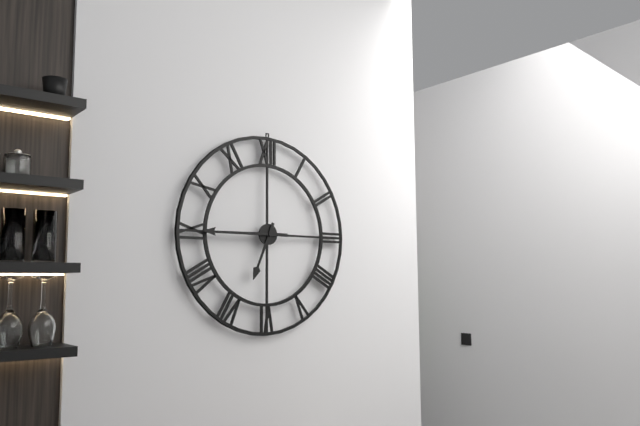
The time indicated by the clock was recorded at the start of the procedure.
6:45
